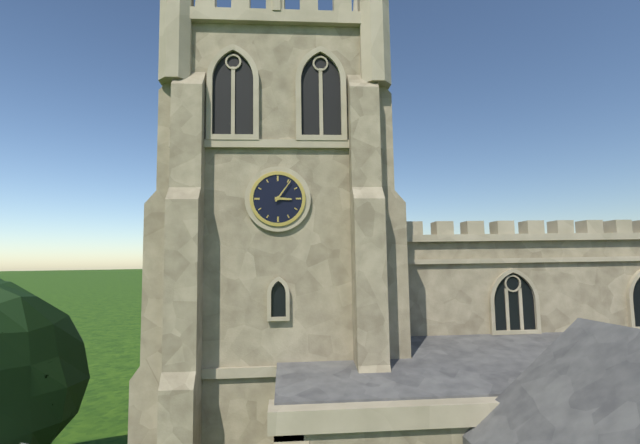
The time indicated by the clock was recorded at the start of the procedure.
3:06
